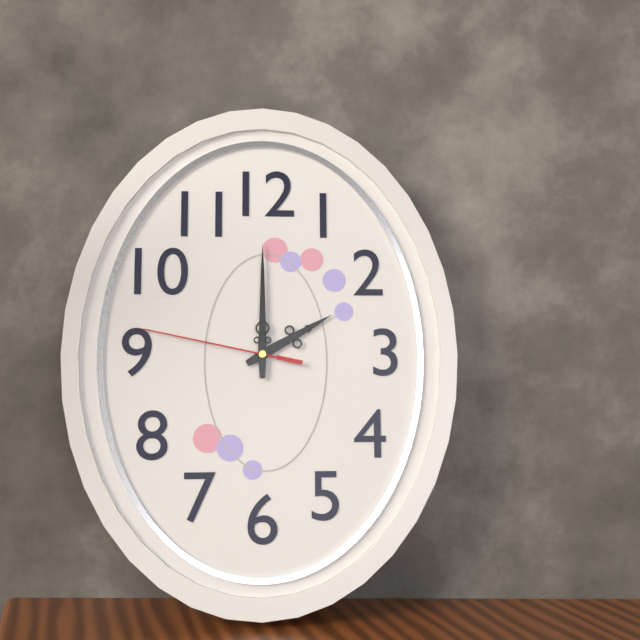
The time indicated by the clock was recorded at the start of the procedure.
2:00:47
